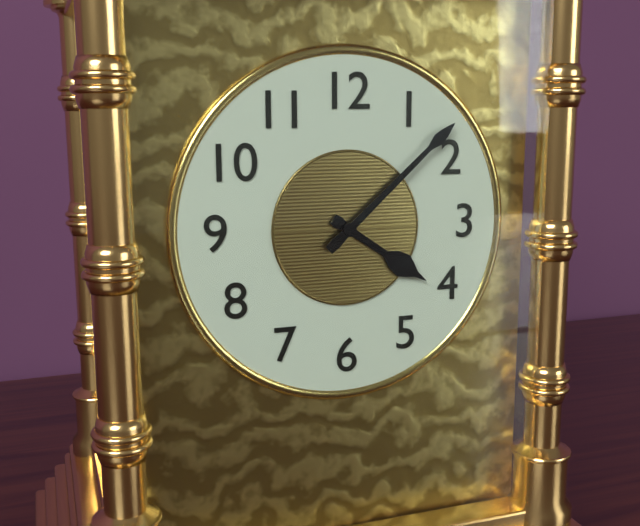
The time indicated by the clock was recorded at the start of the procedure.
4:08
